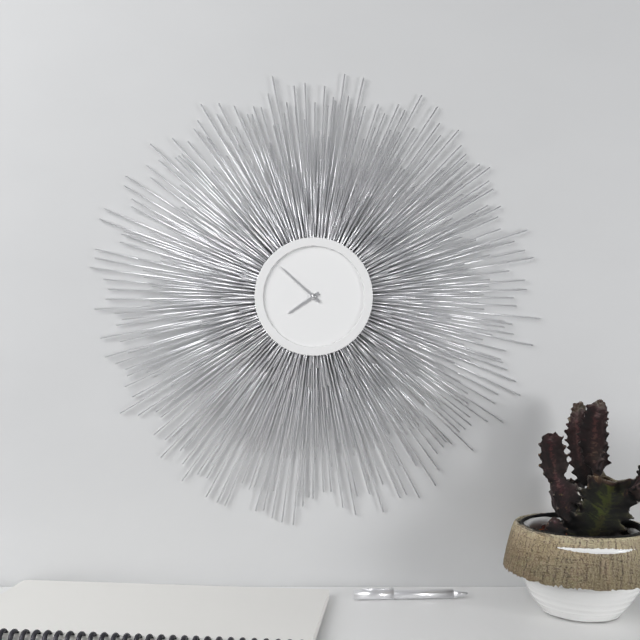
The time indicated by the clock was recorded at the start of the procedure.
7:52
